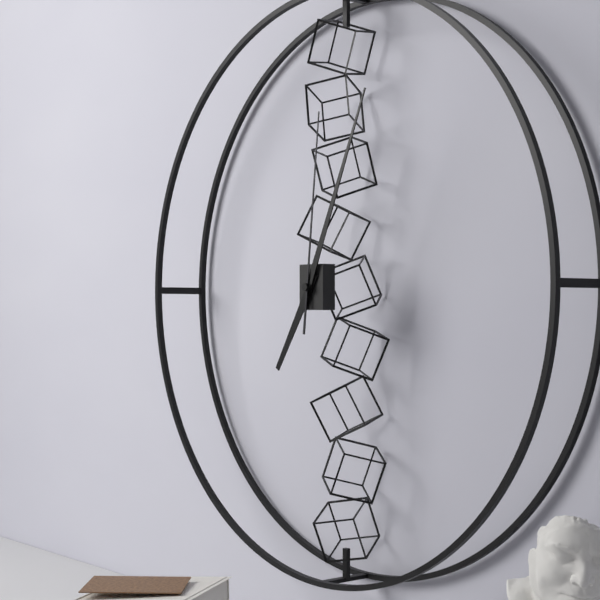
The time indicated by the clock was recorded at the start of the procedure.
7:04:01
